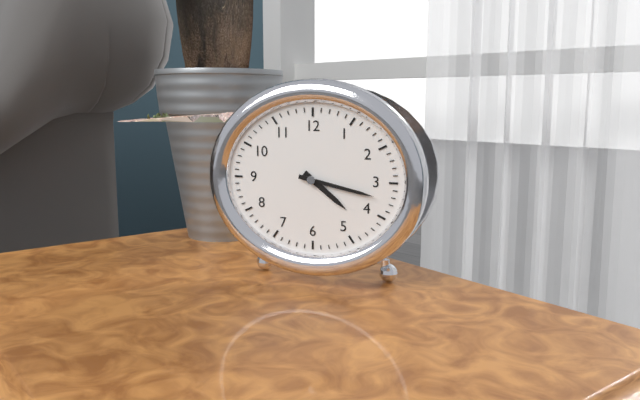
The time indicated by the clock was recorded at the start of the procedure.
4:17
